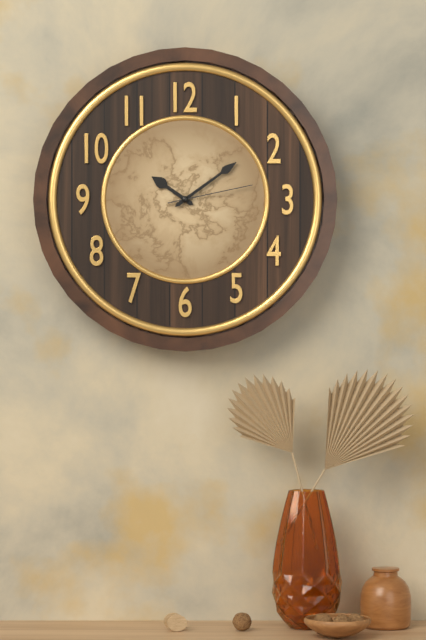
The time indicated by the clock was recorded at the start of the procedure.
10:09:13
